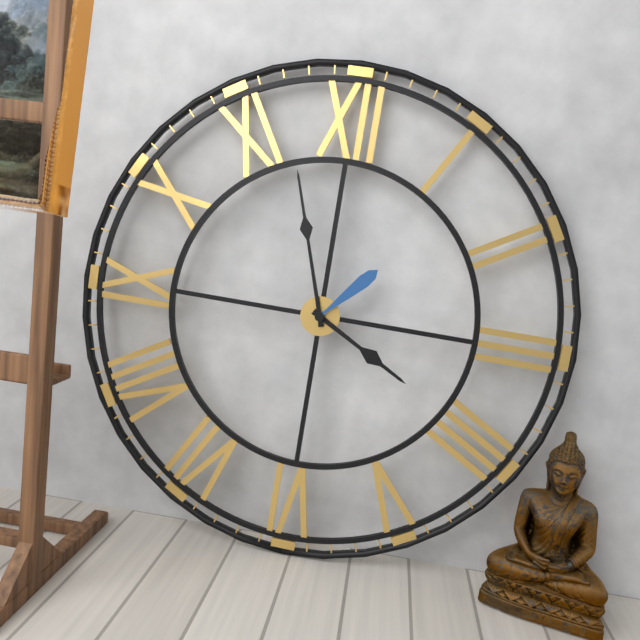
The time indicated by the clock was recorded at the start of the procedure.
3:57:07
